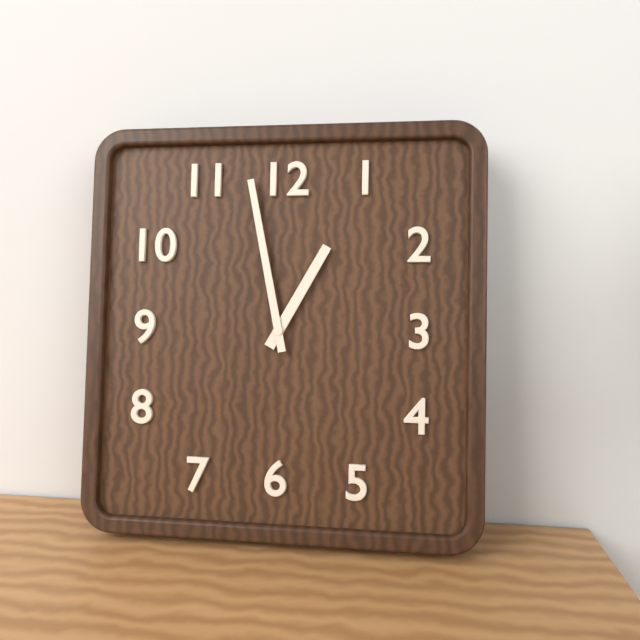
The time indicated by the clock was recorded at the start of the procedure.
12:58
